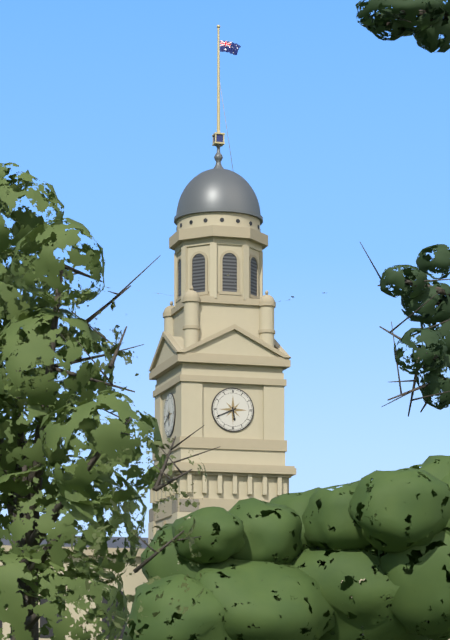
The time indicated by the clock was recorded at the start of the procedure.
5:41
